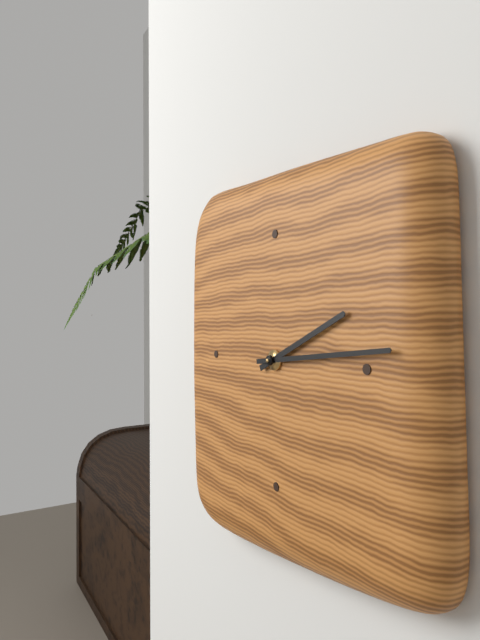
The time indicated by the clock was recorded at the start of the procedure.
2:14
